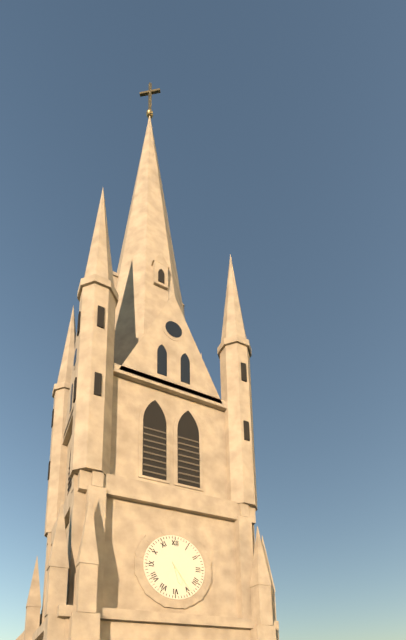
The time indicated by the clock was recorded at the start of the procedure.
5:24
